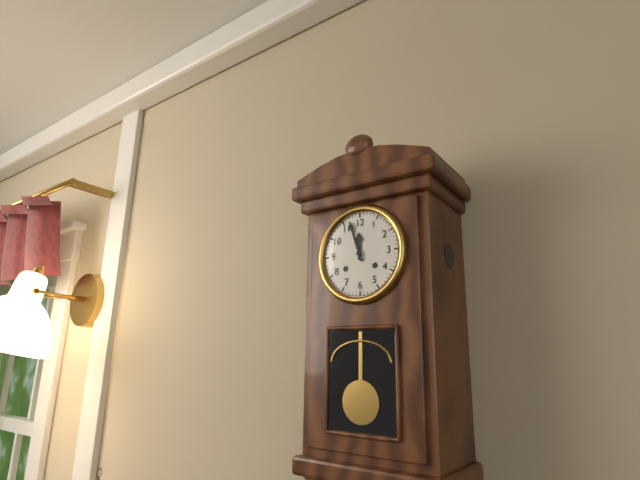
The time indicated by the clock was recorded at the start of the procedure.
11:57
